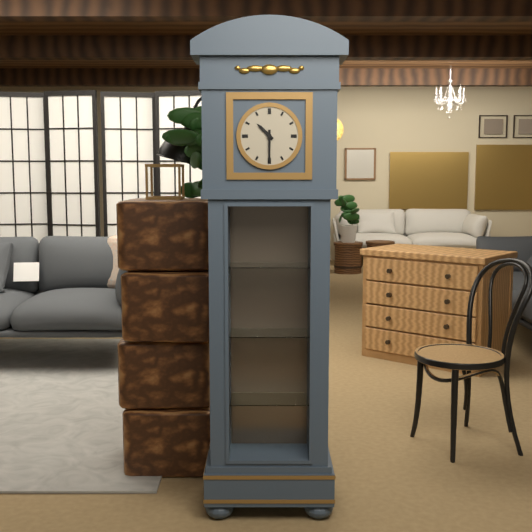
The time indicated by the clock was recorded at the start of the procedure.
10:30
